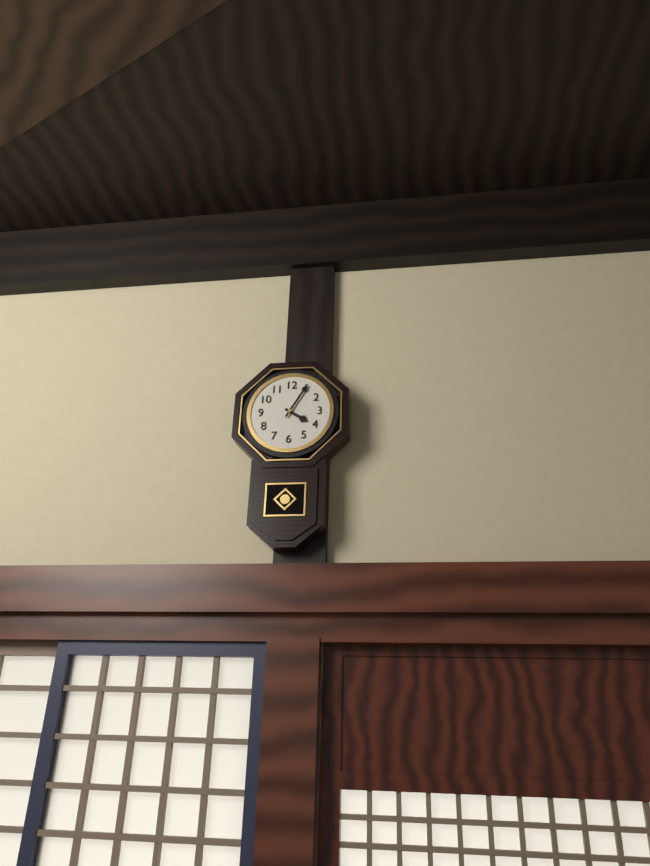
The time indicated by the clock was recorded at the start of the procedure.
4:05
